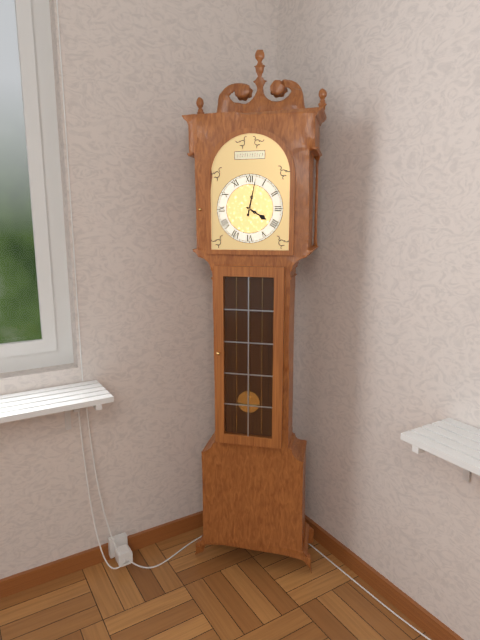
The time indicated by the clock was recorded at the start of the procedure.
4:02
